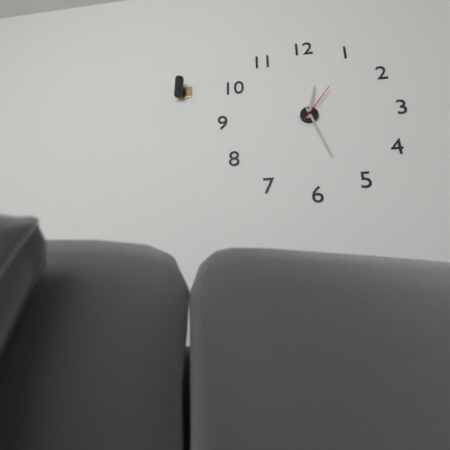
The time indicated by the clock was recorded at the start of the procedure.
12:27
